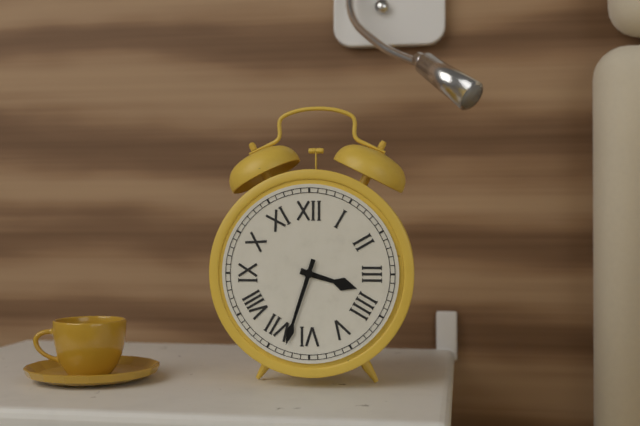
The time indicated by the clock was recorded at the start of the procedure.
3:33
